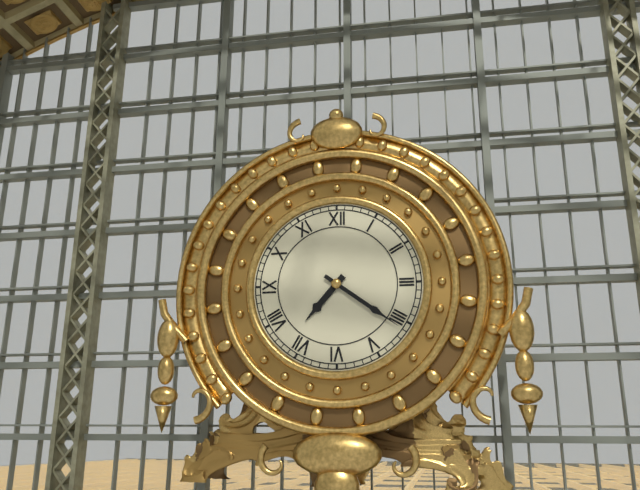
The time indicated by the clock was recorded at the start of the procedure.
7:21
